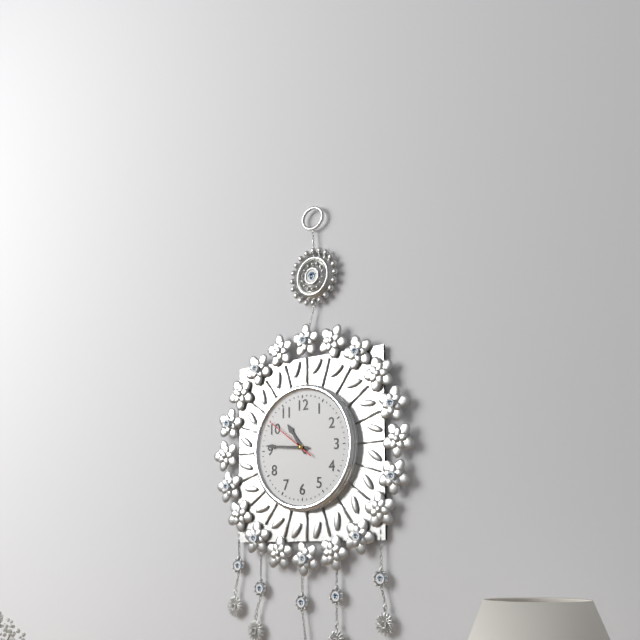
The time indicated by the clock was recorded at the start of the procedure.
10:46:51
